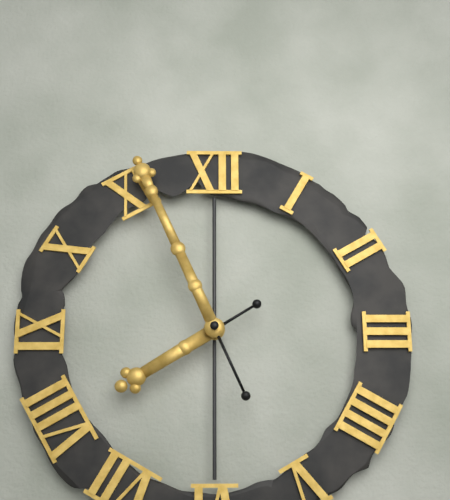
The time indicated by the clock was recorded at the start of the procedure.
7:56
